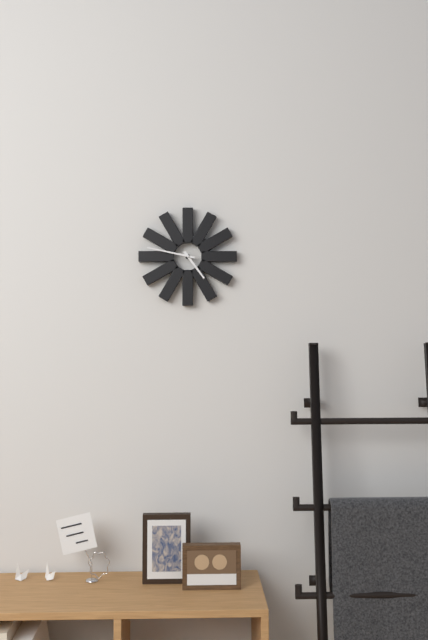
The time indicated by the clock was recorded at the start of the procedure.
4:47
